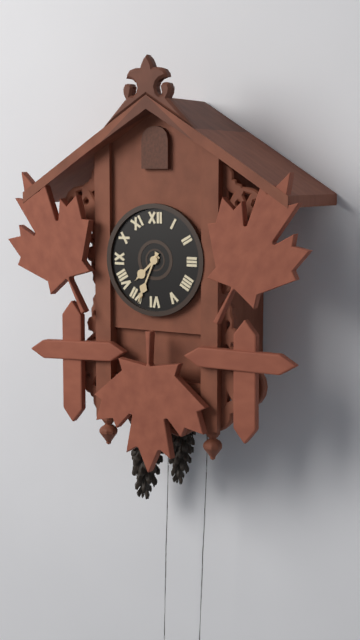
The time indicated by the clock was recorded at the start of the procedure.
7:34
